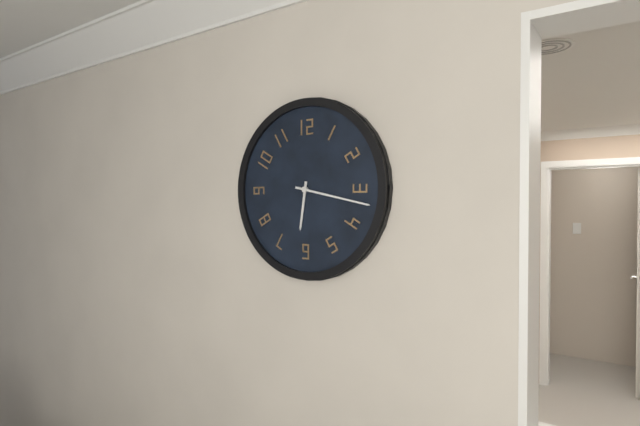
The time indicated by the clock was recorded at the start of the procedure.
6:17
